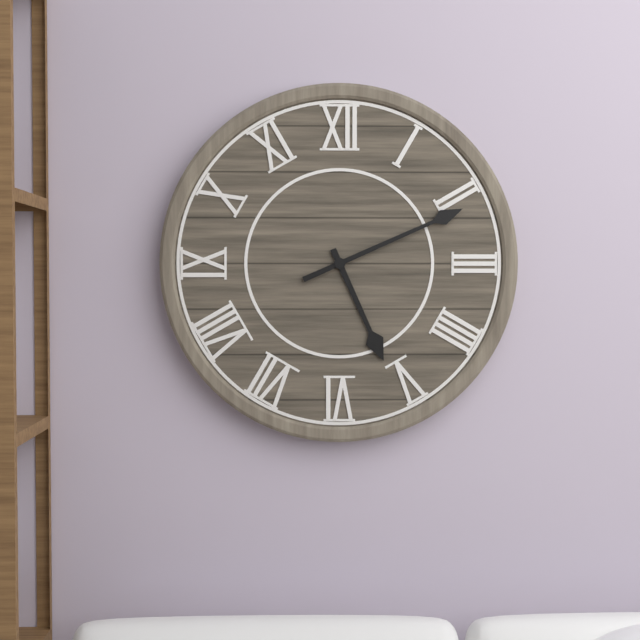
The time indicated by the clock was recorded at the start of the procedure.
5:11
